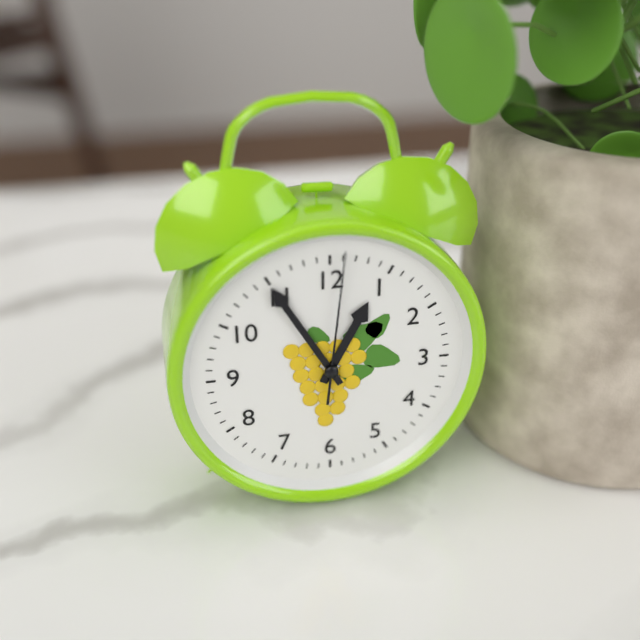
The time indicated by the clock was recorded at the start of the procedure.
12:55:01
